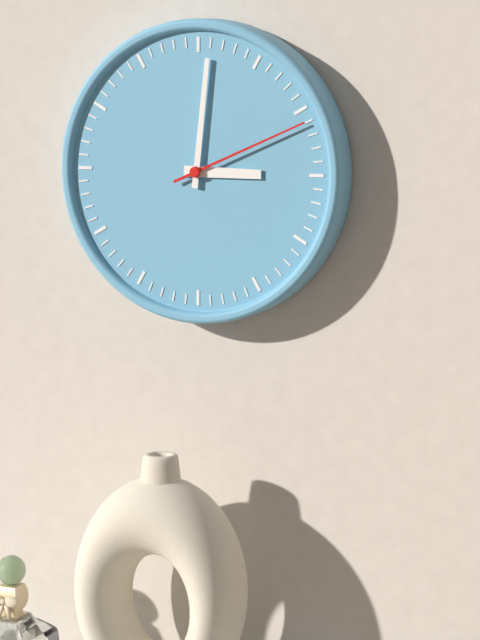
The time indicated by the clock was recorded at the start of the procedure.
3:01:11
